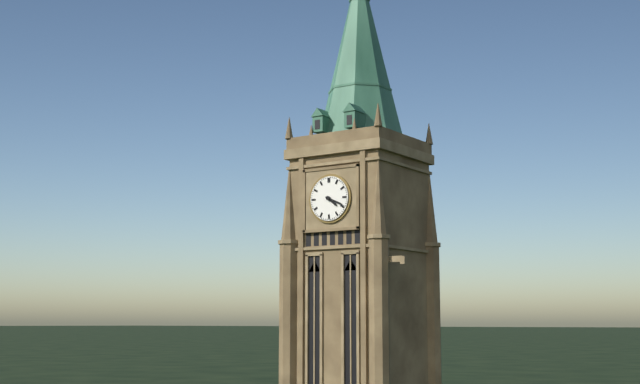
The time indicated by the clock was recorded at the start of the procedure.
4:19
